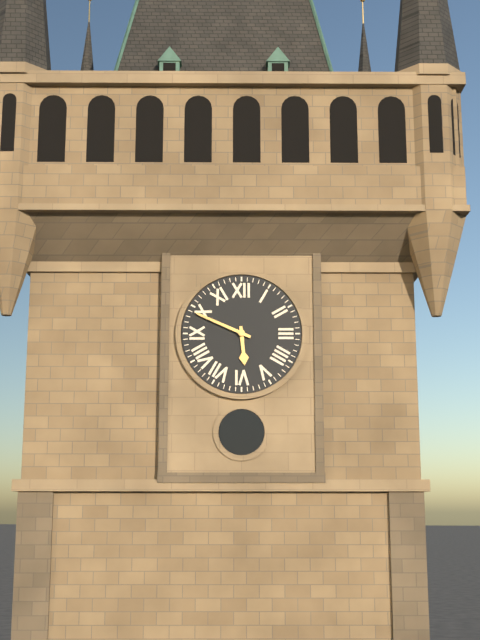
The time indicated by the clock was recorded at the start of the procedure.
5:49
